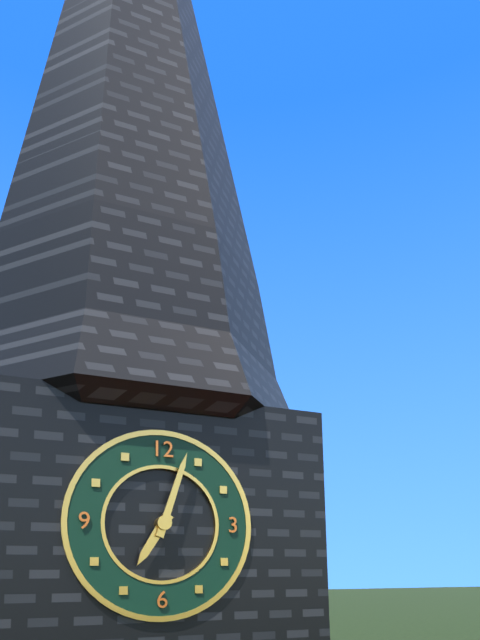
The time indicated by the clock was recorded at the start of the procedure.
7:03
